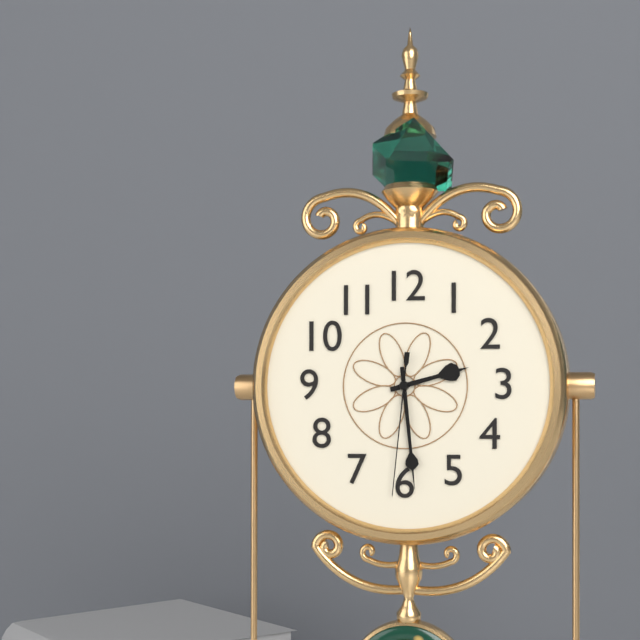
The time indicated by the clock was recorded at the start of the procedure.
2:29:31
